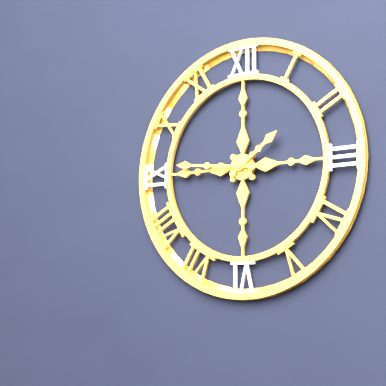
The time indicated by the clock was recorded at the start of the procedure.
1:46
